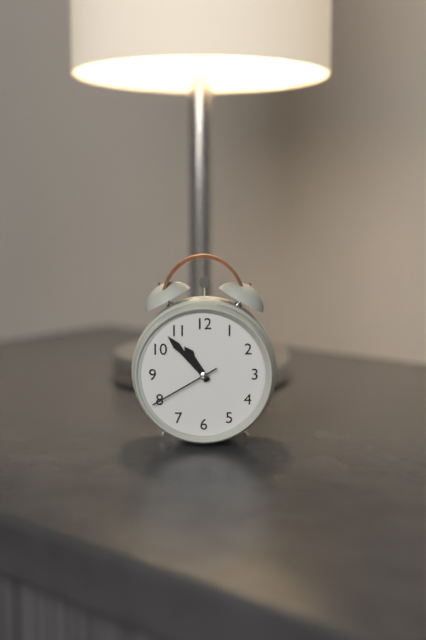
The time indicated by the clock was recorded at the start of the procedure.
10:53:40
